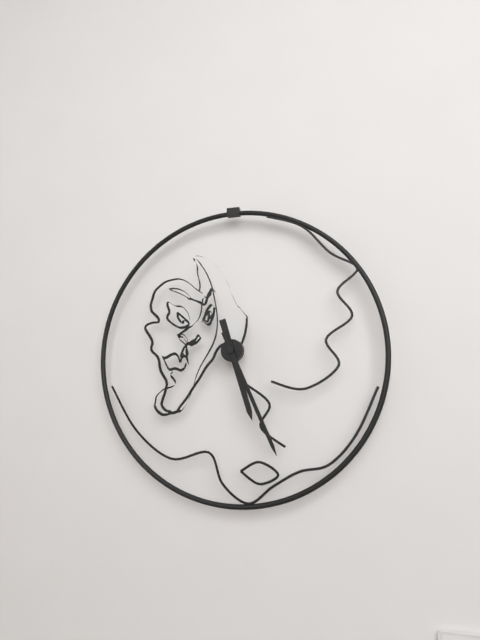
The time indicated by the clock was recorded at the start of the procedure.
5:26
